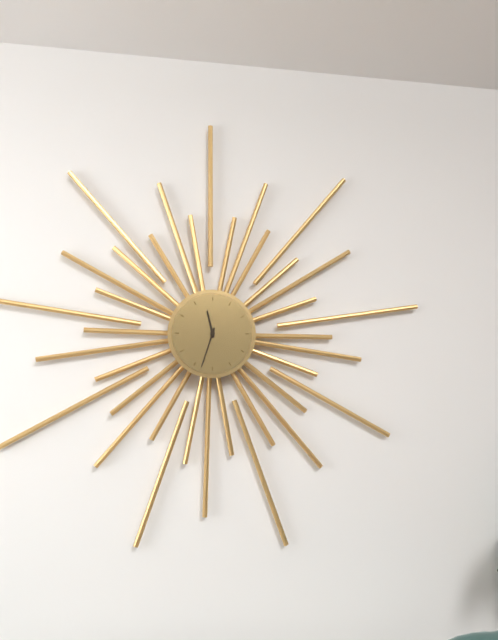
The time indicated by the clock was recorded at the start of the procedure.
11:33
